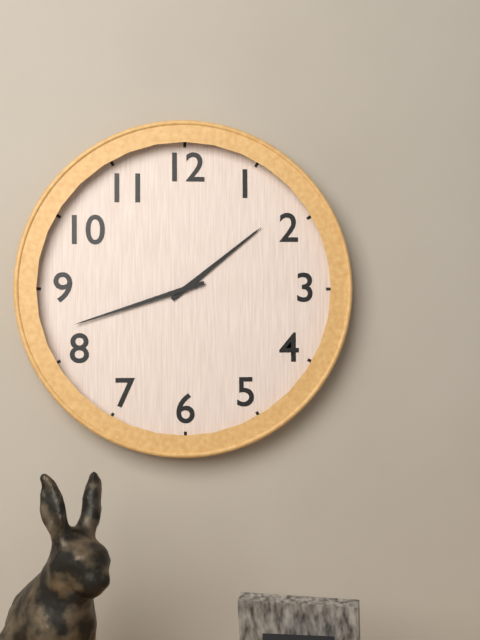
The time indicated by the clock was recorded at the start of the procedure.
1:42
